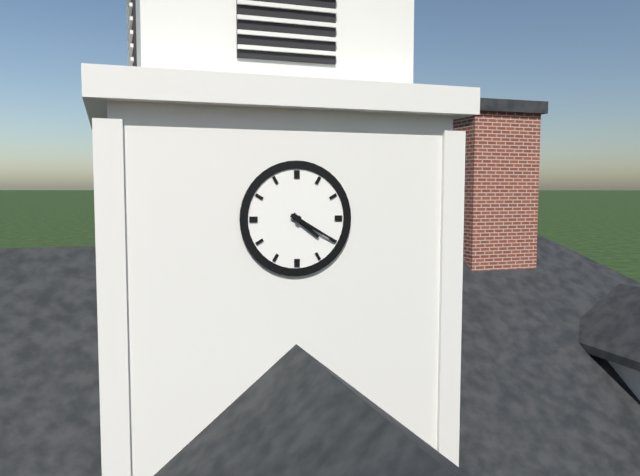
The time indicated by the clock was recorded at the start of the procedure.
4:20
